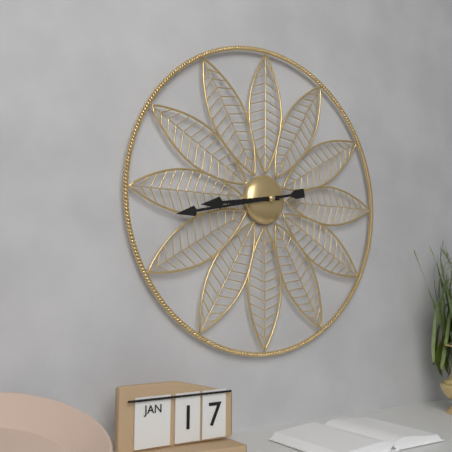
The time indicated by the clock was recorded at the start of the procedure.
8:43
